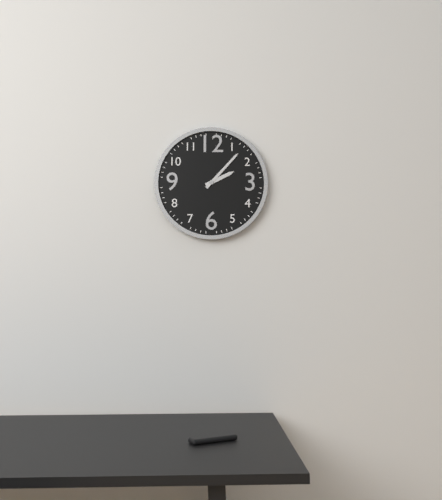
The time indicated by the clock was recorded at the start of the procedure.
2:07
